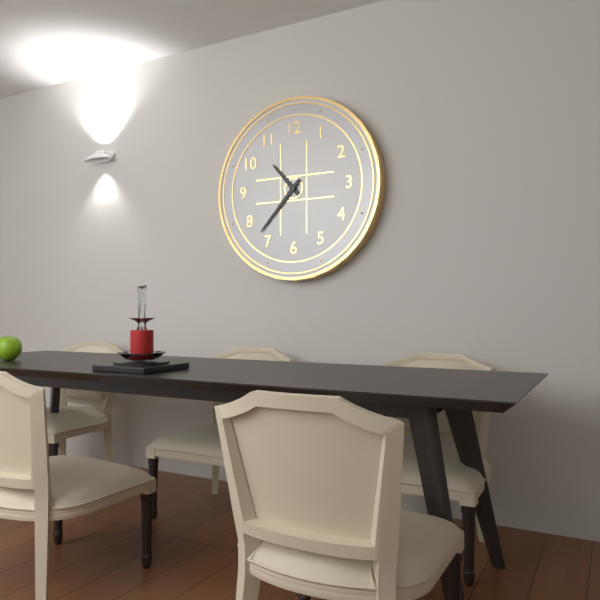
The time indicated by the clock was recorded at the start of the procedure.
10:37
